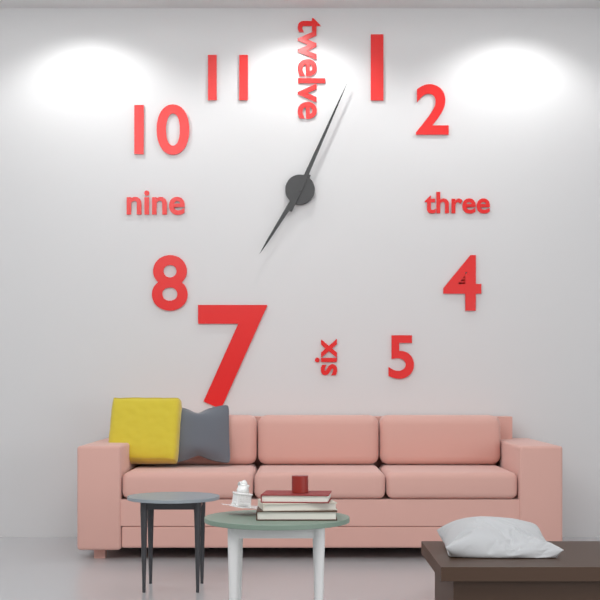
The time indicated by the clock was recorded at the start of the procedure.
7:04
